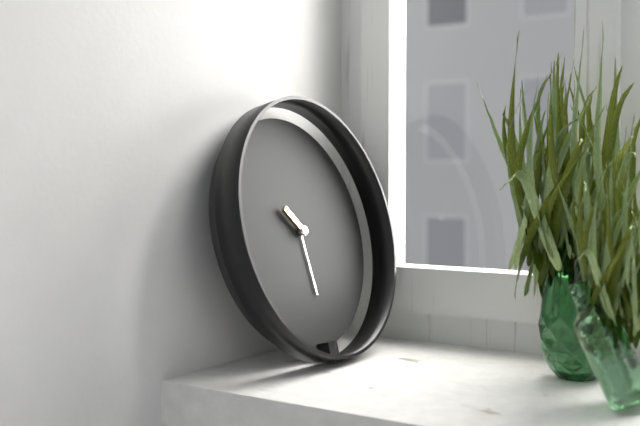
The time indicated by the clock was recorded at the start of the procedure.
10:29
